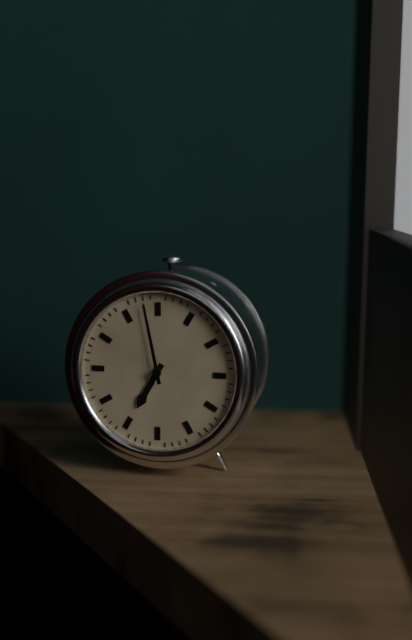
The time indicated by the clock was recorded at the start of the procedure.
6:58
